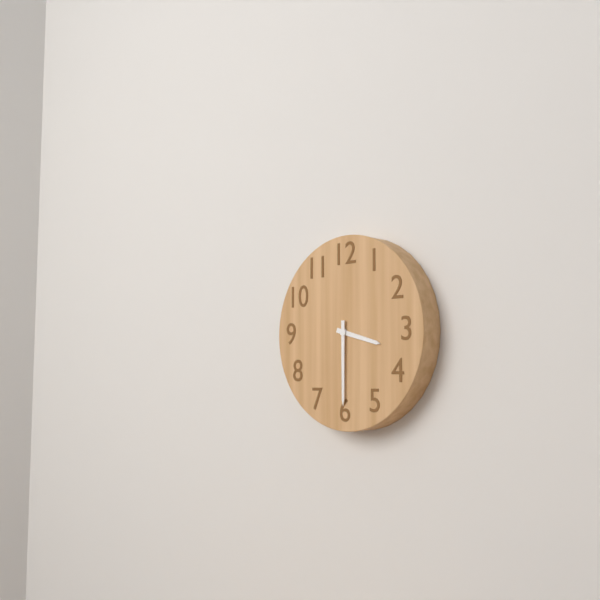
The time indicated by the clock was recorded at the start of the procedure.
3:30
